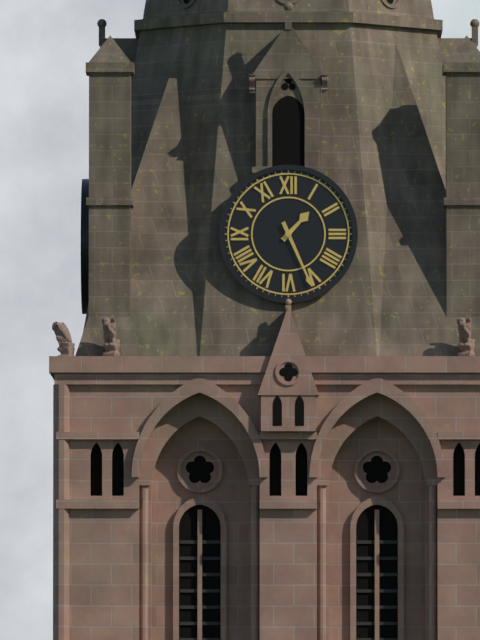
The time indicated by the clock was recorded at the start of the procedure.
1:26
